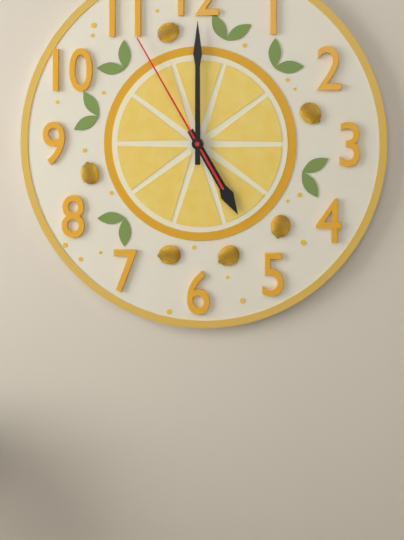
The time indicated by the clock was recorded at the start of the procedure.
5:00:55
